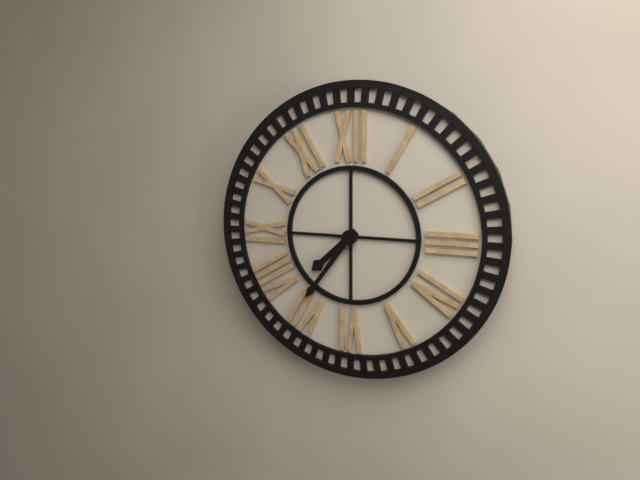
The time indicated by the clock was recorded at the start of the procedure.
7:36
